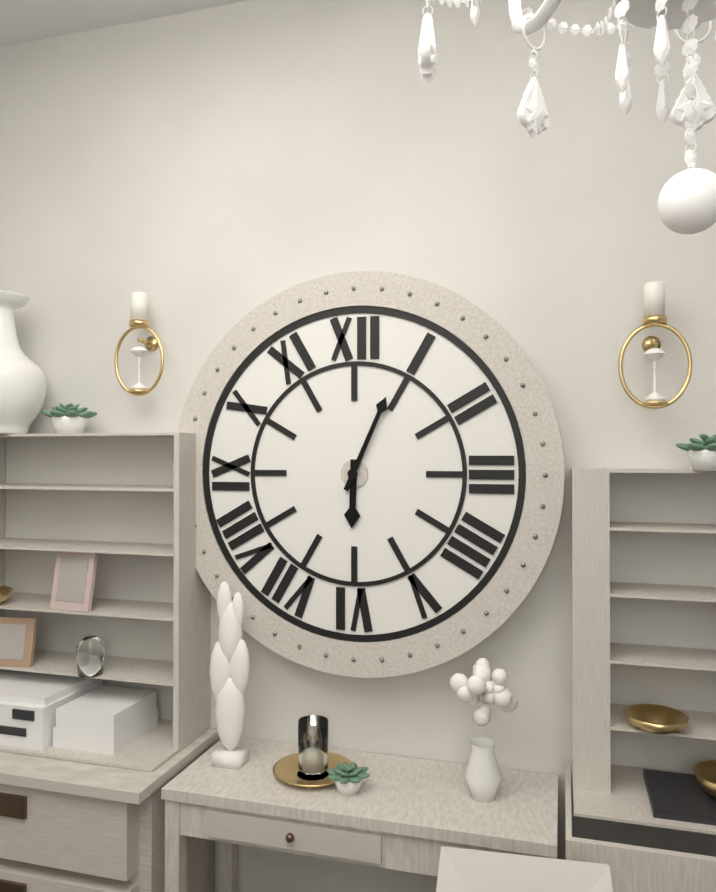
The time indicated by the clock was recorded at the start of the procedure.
6:04
